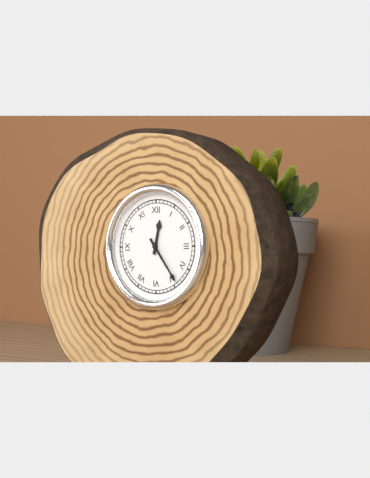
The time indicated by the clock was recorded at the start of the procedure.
12:24
